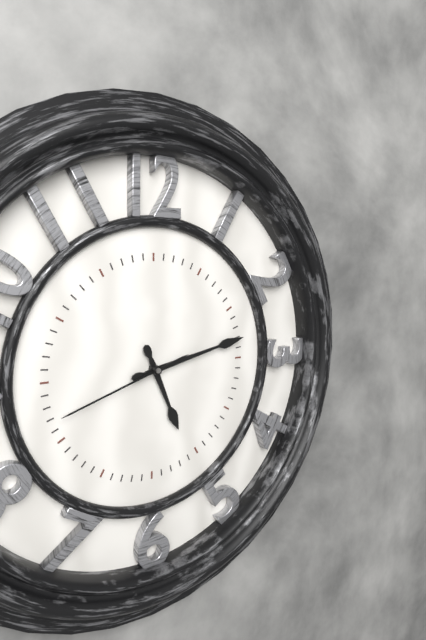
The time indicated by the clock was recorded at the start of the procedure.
5:13:42
